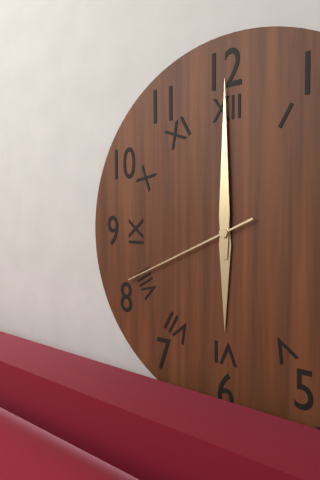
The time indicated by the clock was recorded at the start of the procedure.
6:00:41
